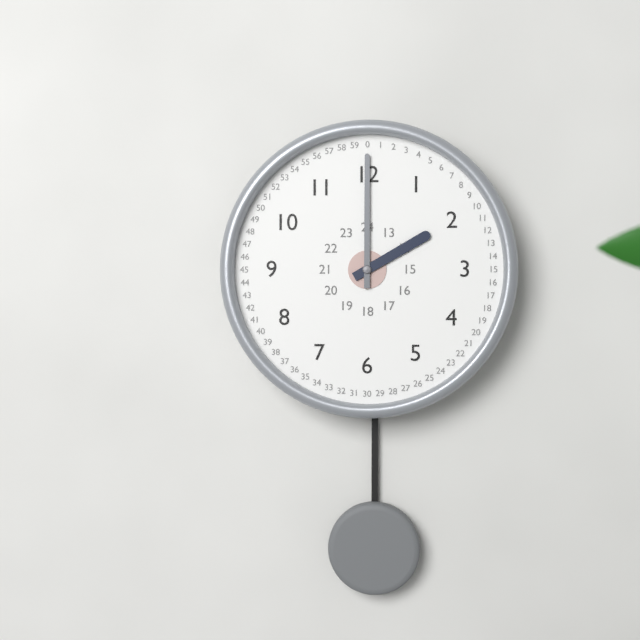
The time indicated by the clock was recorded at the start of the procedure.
2:00
